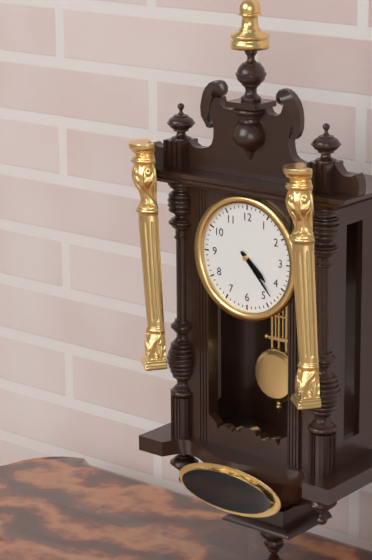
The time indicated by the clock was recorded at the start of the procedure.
4:23
